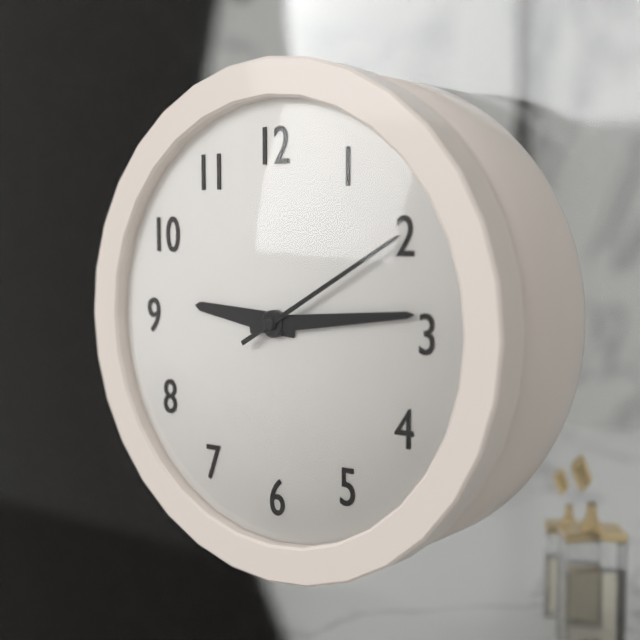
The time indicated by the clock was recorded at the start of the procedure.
9:14:10
